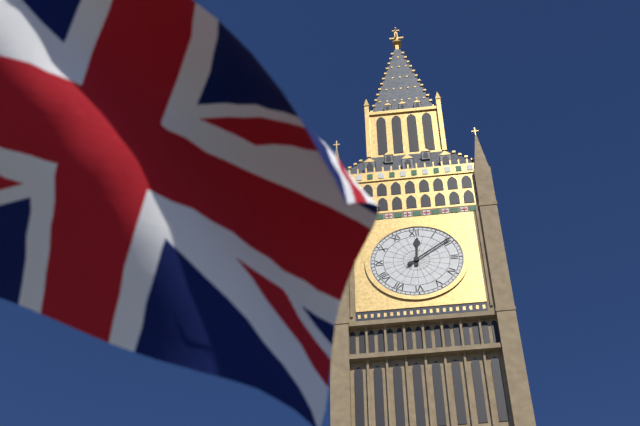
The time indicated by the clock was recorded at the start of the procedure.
12:09
